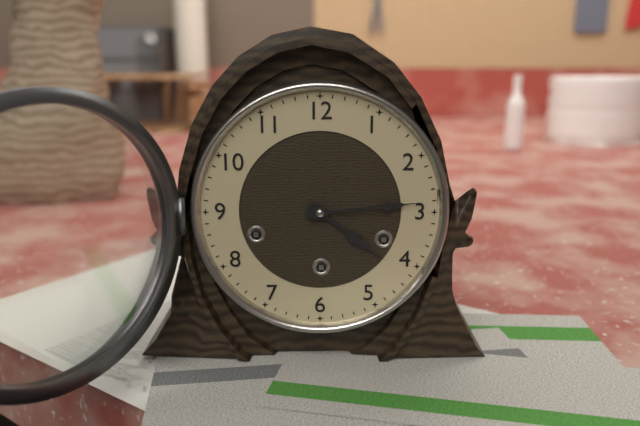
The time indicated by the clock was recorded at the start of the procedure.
4:14
